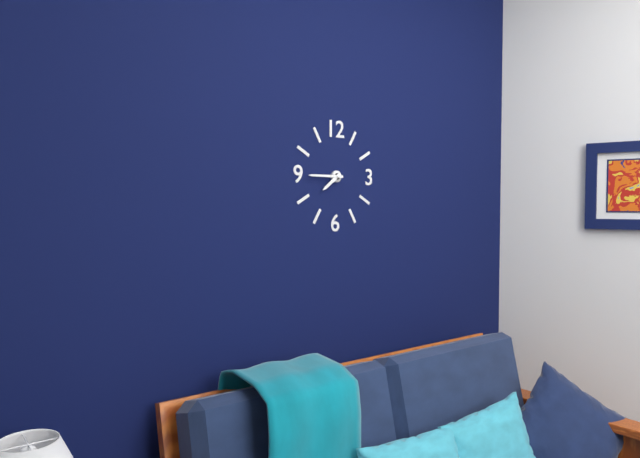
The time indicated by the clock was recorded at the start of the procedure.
7:45
